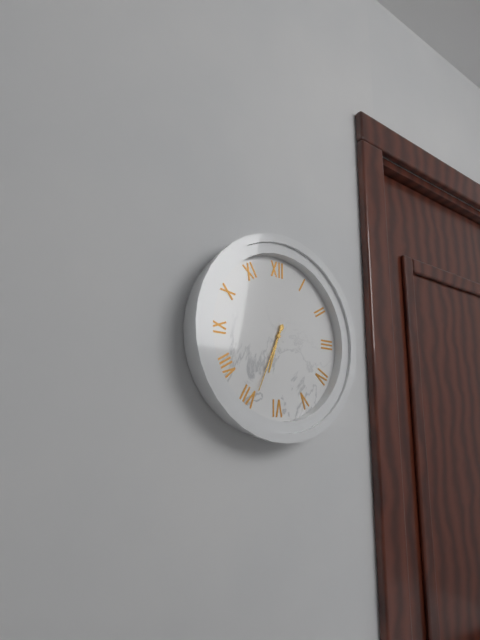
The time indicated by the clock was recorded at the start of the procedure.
6:34
